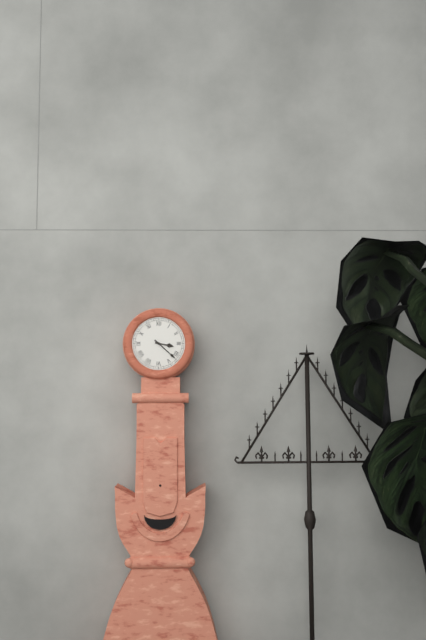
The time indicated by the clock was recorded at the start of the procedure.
3:22
